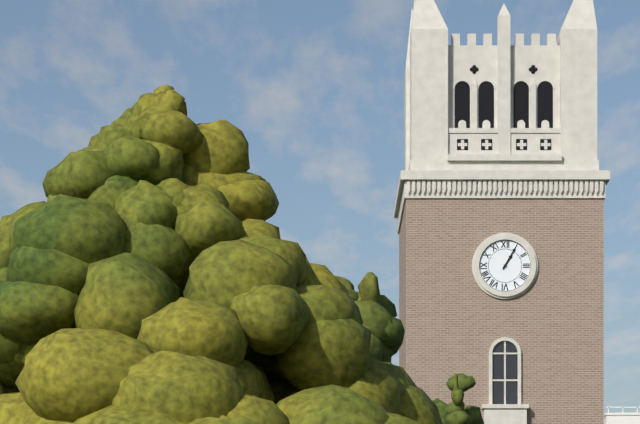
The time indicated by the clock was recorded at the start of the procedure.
1:05
